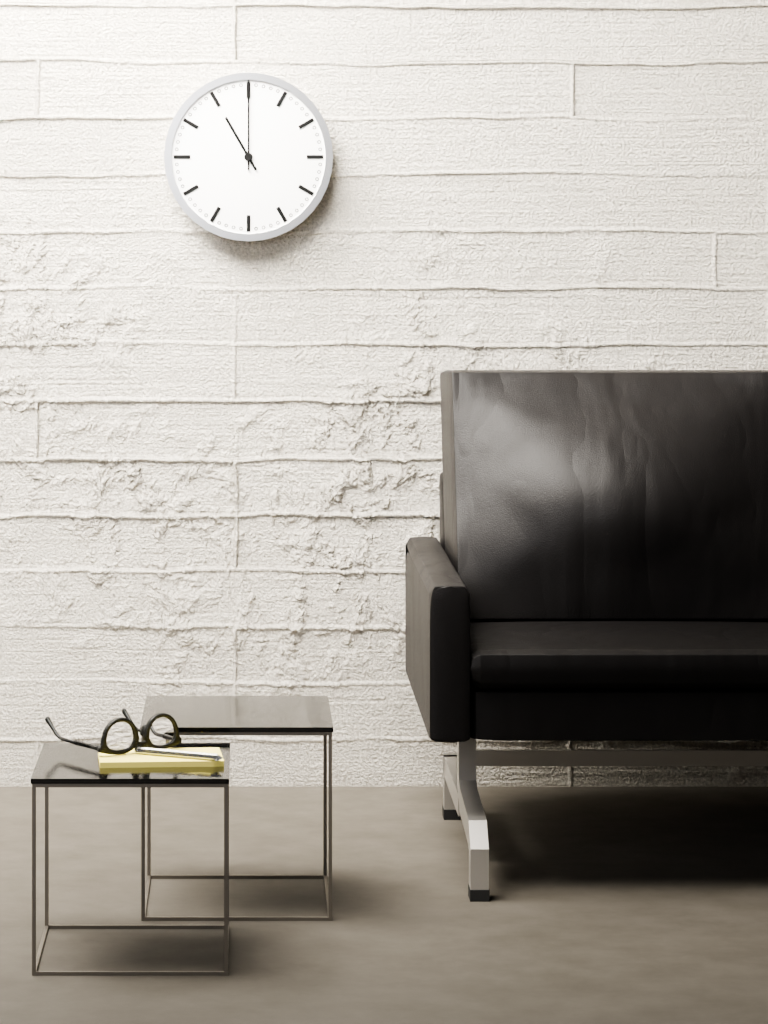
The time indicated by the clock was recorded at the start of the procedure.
11:00
